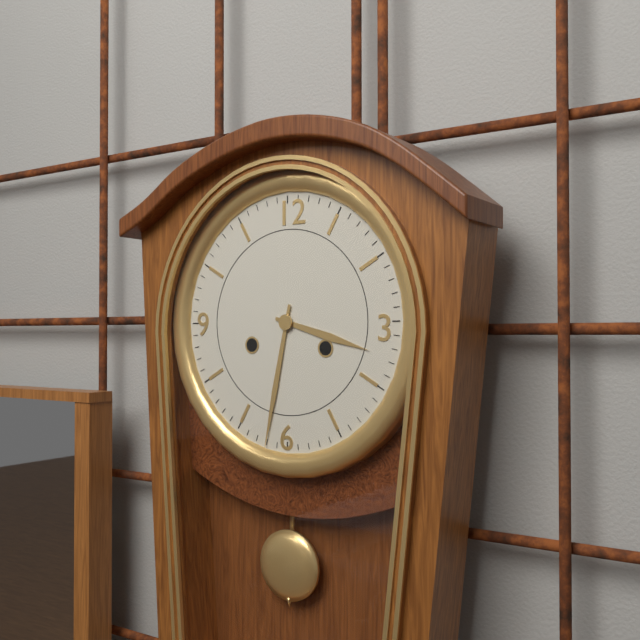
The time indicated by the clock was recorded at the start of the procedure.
3:32
